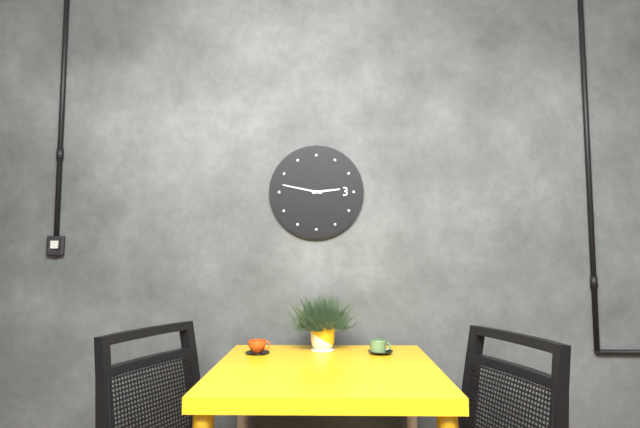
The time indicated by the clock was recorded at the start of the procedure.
2:47
